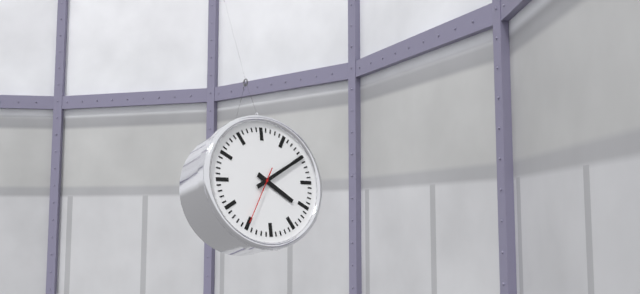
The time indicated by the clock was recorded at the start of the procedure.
4:10:35
